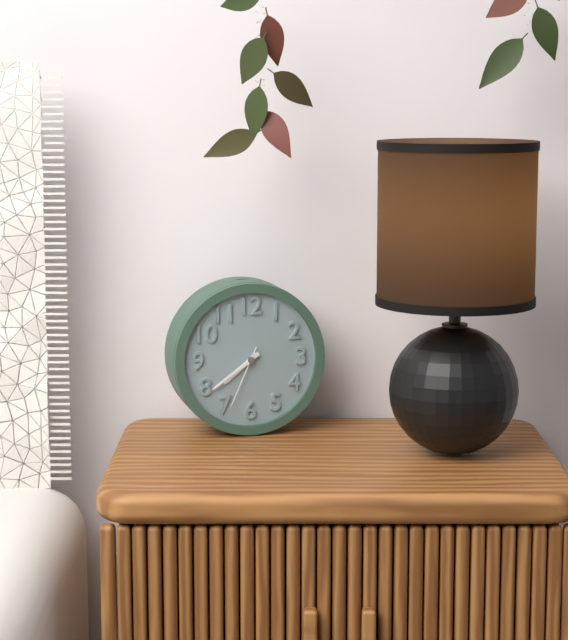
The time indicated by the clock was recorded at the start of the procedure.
7:39:34
